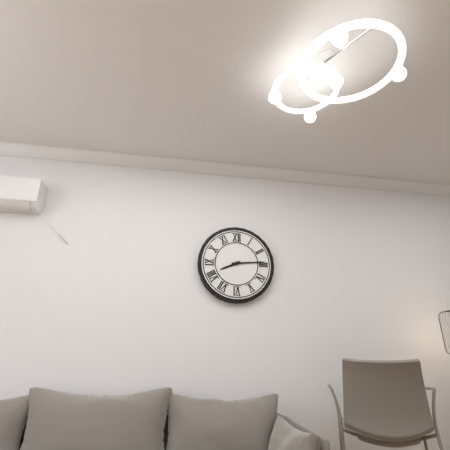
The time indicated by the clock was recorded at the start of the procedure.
8:14
